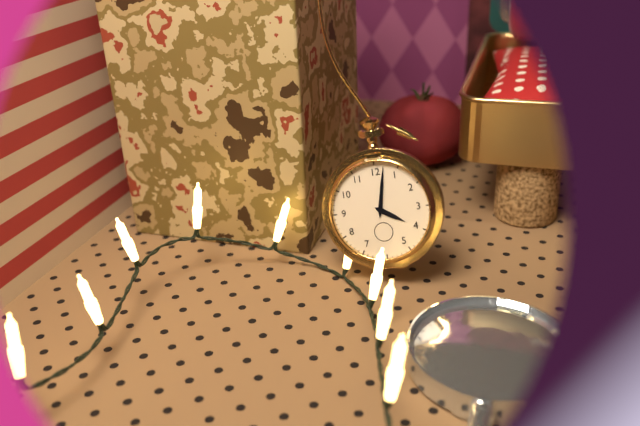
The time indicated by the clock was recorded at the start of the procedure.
4:02
